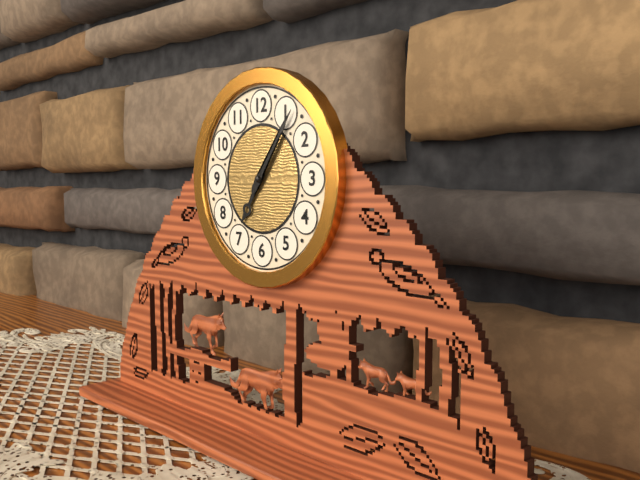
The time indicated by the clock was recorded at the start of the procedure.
7:06
